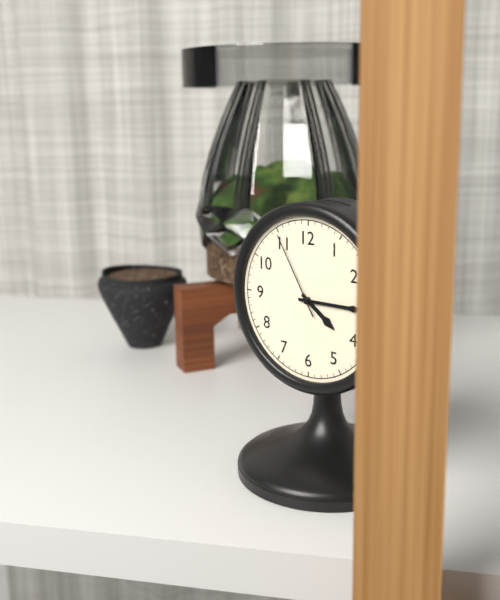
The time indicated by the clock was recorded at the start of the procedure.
4:15:55
